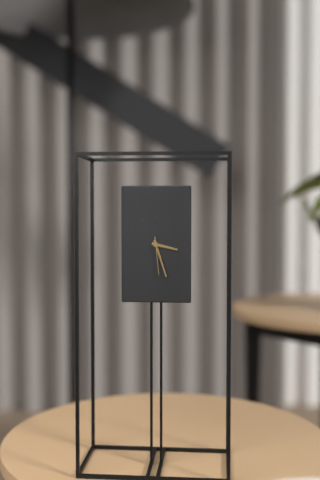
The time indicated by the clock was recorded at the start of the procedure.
3:27
